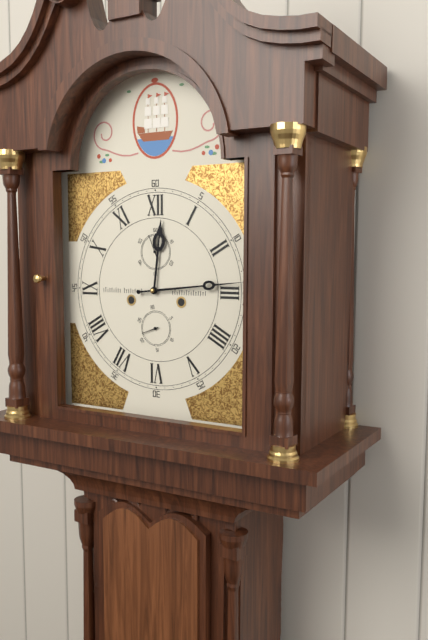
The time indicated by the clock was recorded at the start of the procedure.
12:14
